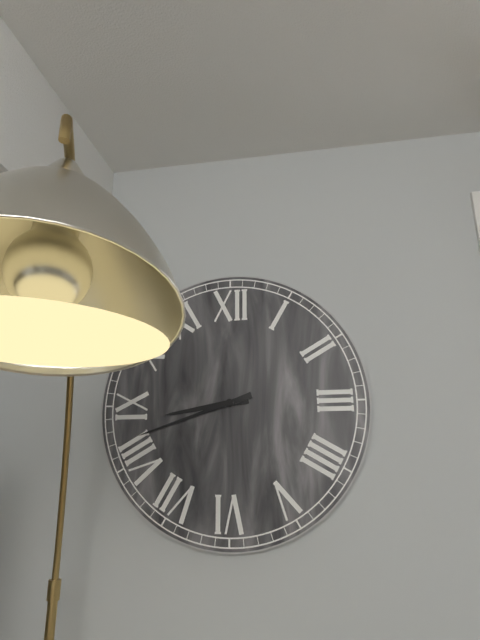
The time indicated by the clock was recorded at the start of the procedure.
8:42
